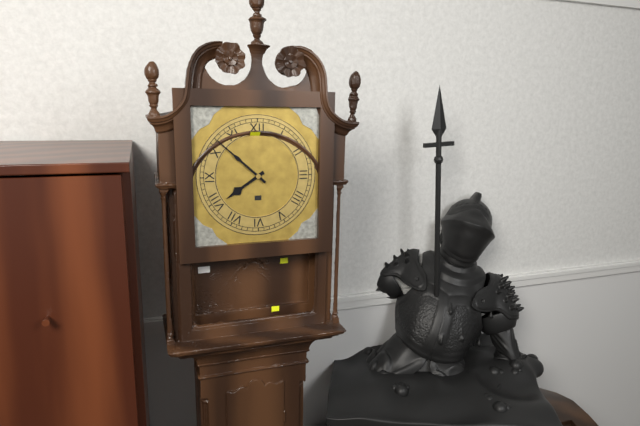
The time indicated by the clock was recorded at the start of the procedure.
7:52
